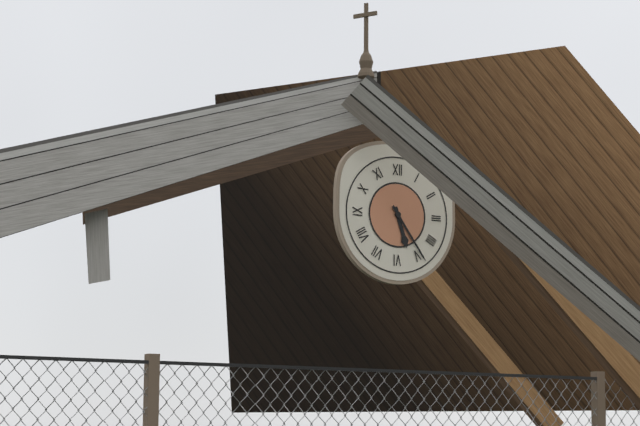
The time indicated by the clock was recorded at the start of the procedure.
5:24
